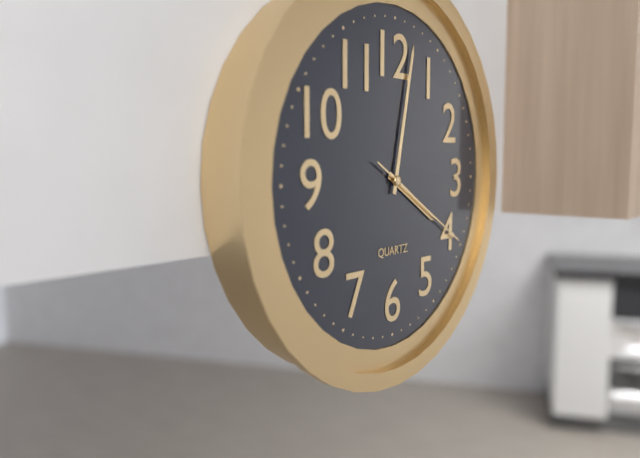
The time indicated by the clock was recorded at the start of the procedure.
4:02:20
